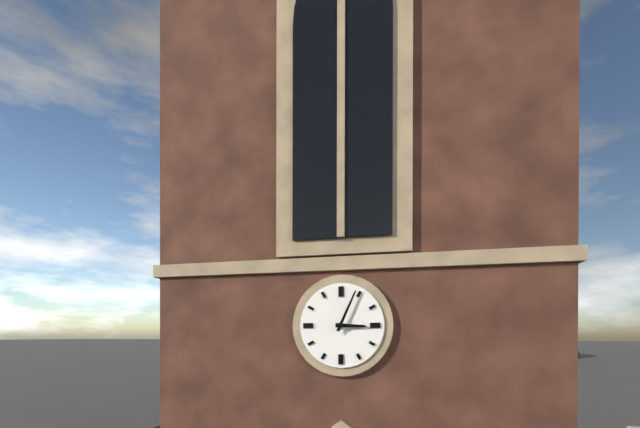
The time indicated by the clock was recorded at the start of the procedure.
3:04
